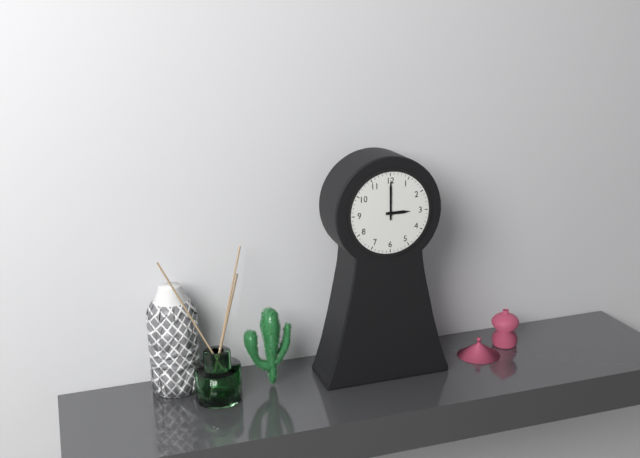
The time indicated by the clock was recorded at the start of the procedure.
3:00
